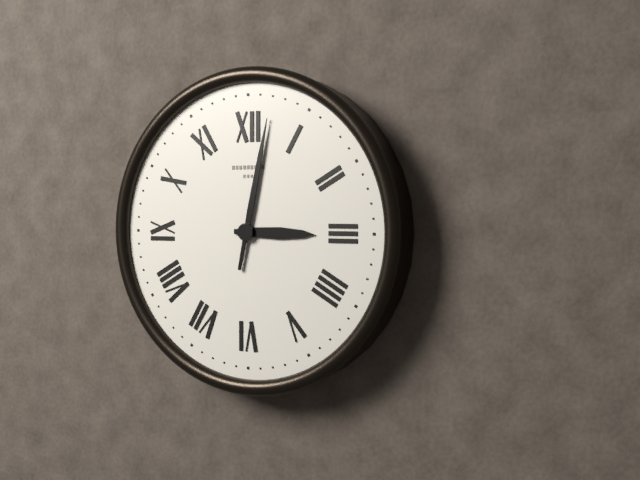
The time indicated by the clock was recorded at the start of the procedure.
3:02
